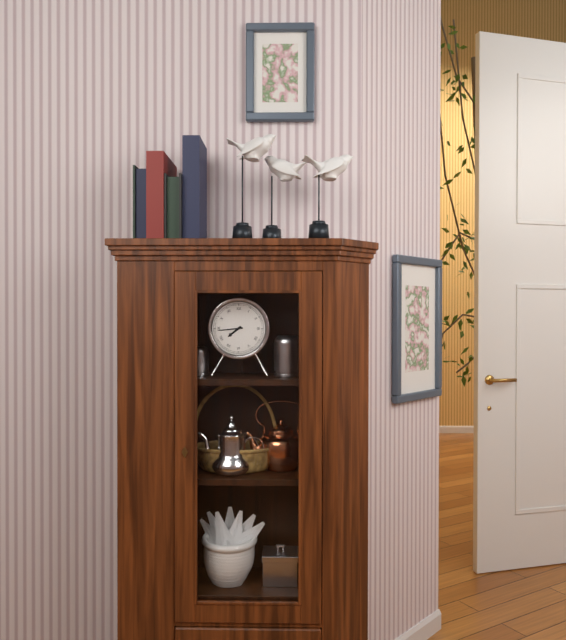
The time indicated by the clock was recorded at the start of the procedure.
7:44
